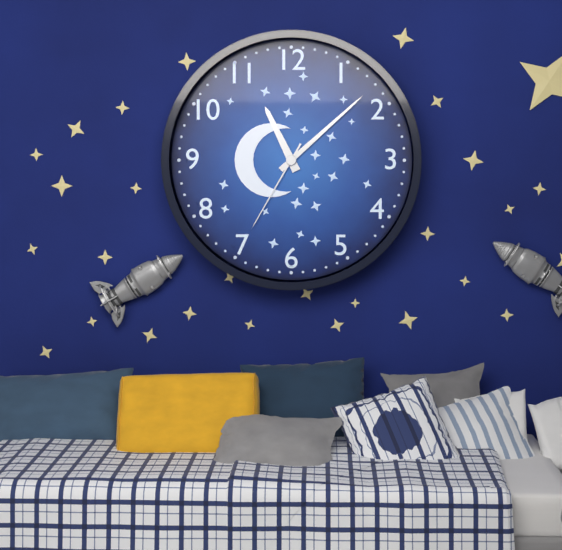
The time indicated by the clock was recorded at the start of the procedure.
11:08:35
